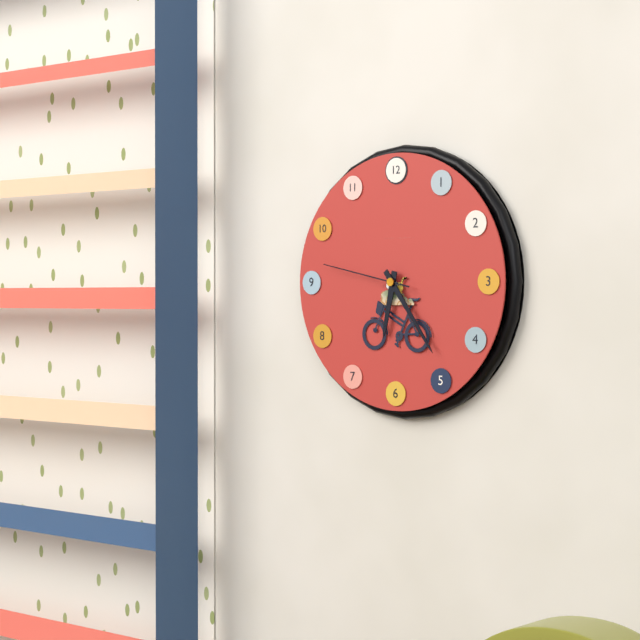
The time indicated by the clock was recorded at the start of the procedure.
6:24:47
